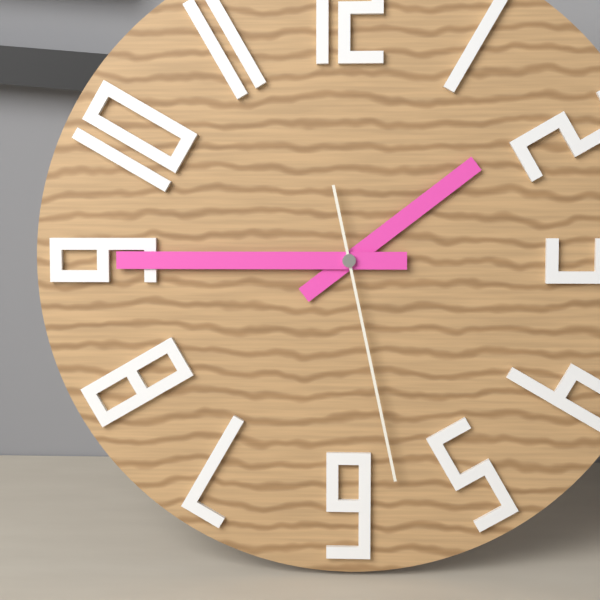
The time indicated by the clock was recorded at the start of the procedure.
1:45:28
